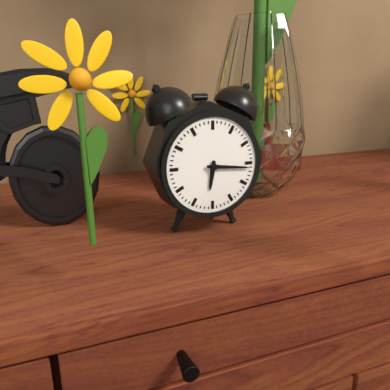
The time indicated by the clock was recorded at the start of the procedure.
6:16
